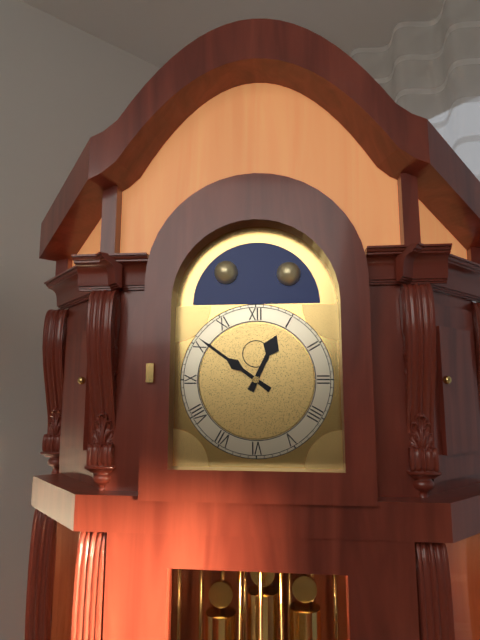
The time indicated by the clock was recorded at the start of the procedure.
12:51
